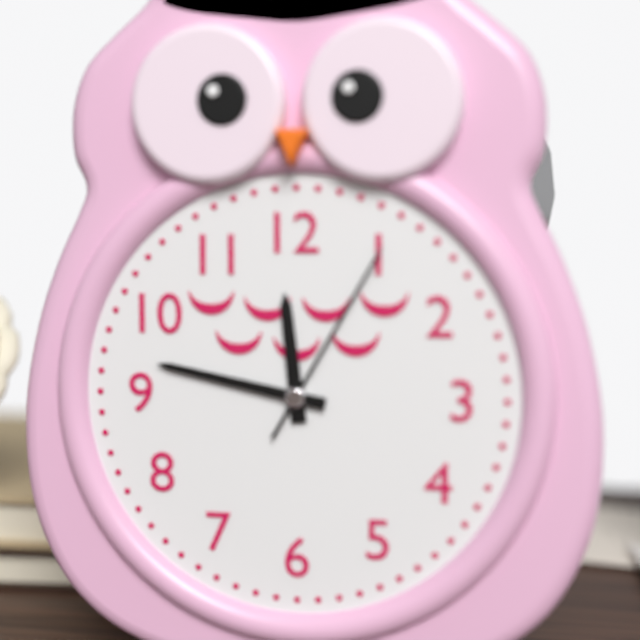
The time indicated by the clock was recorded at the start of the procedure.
11:47:05
